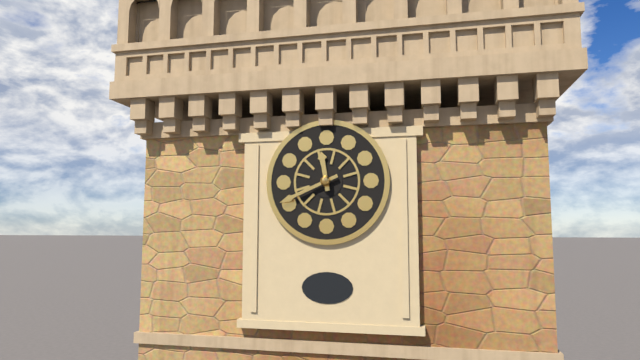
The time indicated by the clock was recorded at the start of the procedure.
11:41
